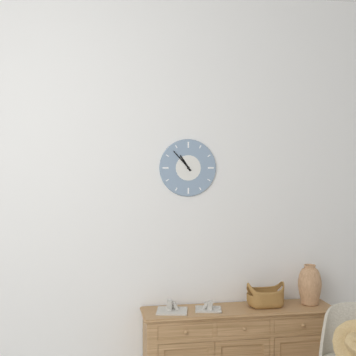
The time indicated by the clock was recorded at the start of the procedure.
10:53
